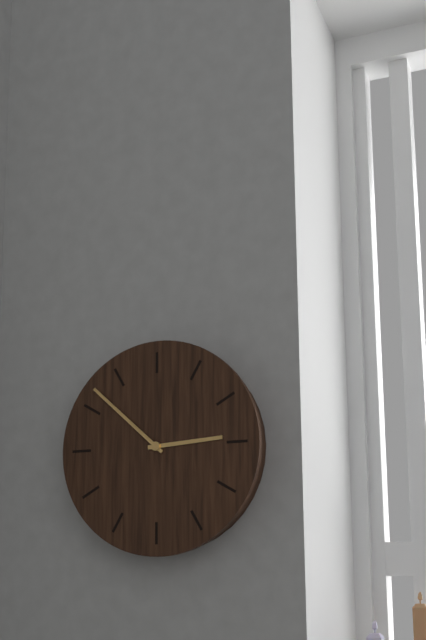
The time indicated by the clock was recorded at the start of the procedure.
2:52
